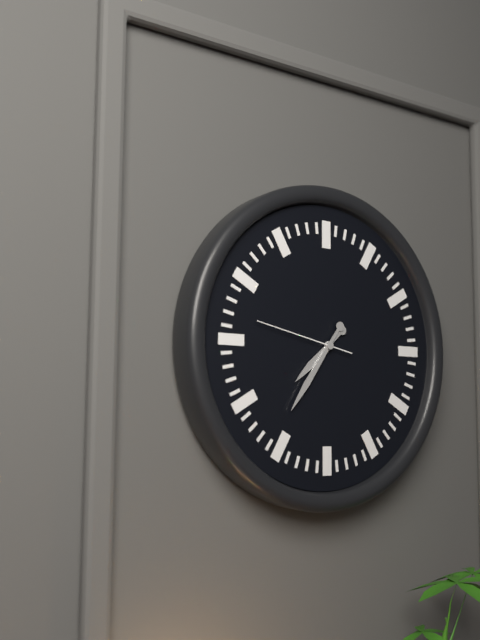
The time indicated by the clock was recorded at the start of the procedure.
7:36:47
